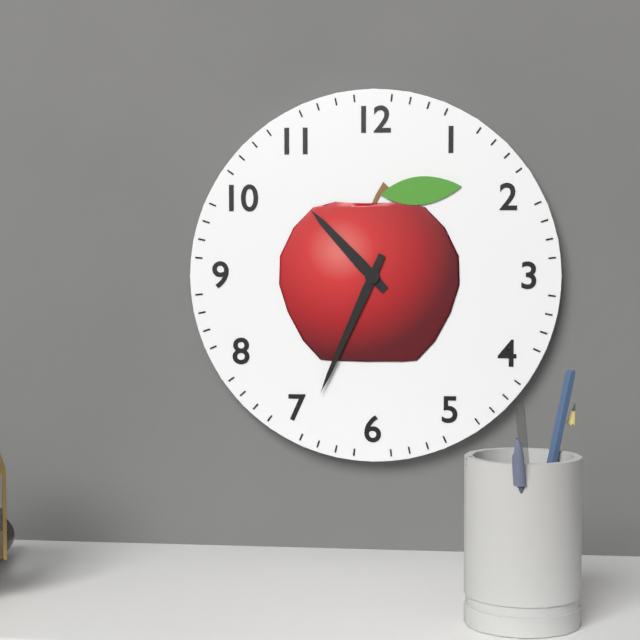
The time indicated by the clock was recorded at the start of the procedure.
10:34
